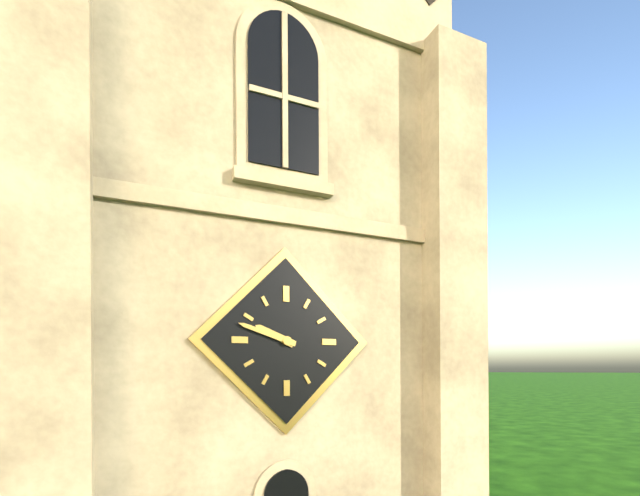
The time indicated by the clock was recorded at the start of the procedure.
9:48
